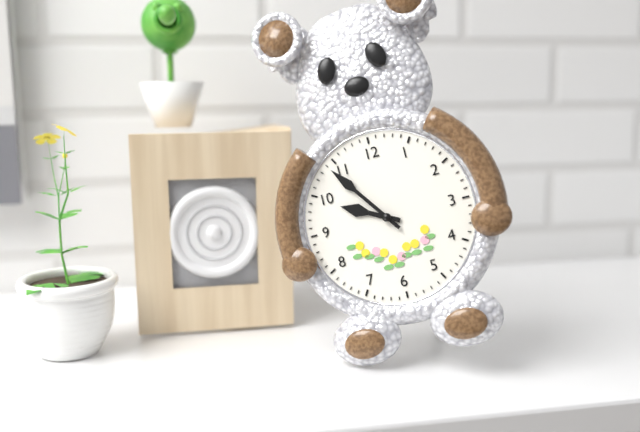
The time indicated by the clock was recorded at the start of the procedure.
9:54
